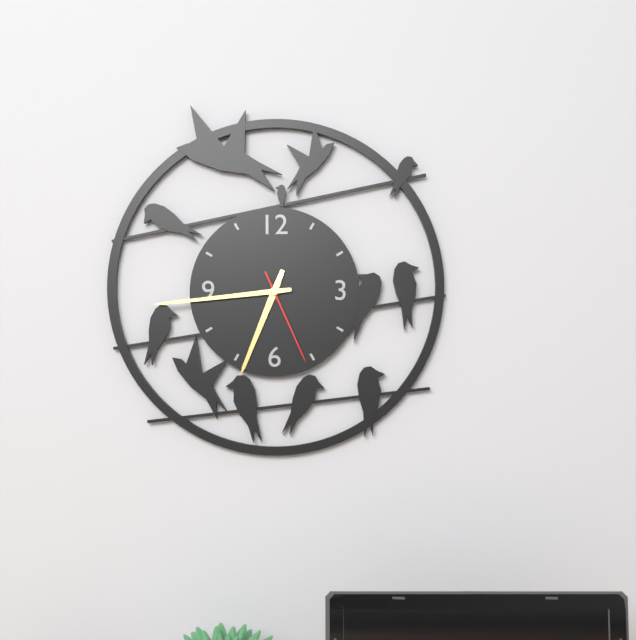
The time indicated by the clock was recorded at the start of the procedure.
6:44:26
